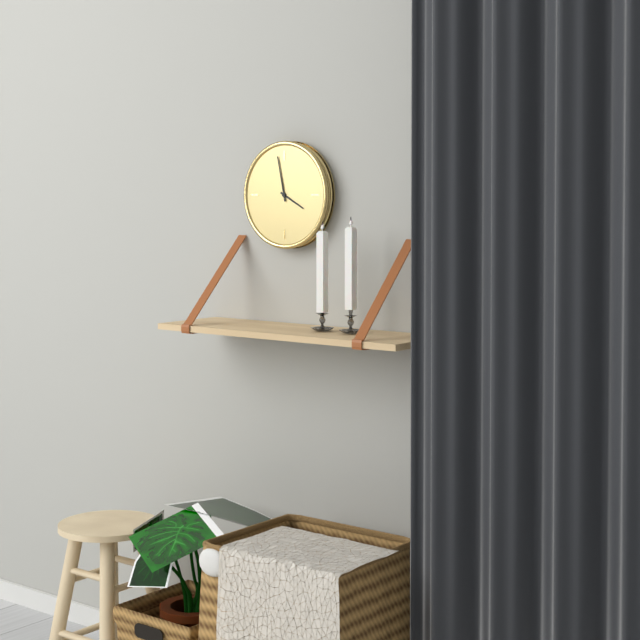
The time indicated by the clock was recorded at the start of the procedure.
3:58
